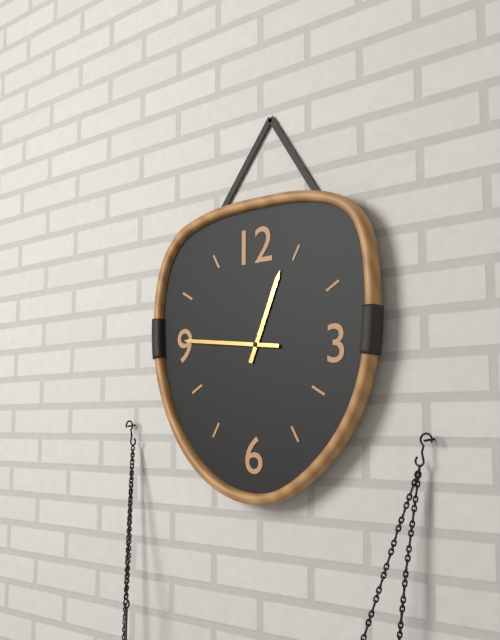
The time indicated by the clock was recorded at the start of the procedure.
12:46
